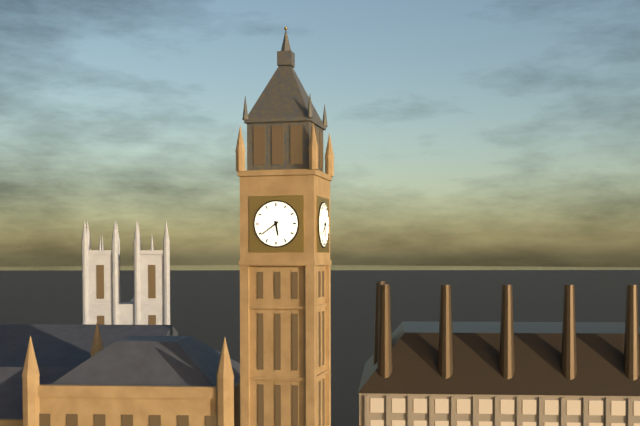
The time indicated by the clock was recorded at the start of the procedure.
5:39
